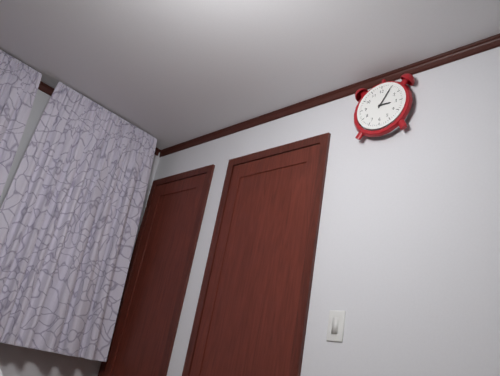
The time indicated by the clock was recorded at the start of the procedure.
3:05
